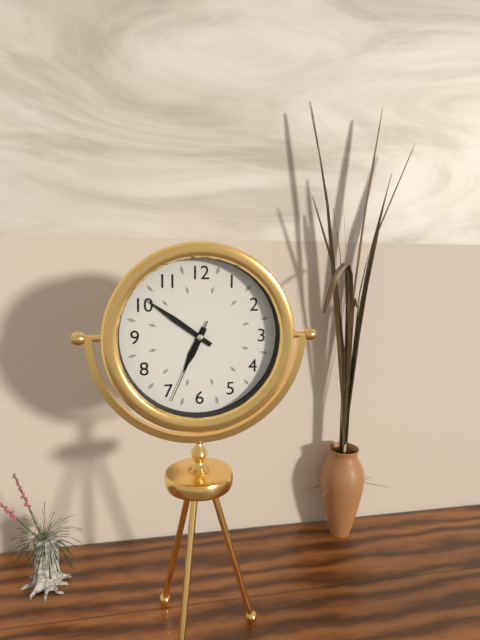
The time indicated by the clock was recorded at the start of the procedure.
6:51:34
